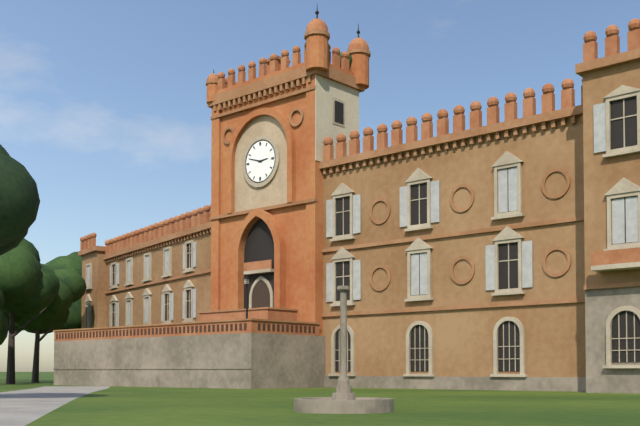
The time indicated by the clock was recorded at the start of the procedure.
2:48
